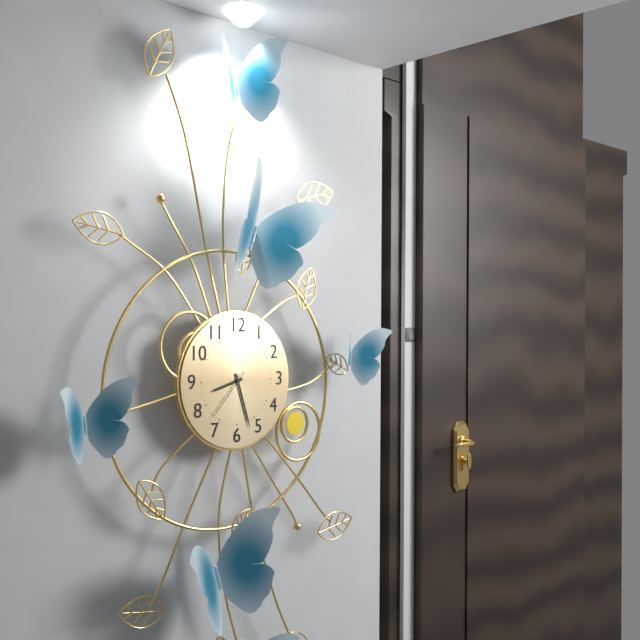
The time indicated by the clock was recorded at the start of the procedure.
8:27:37
